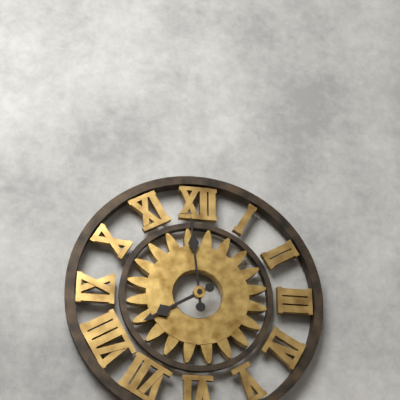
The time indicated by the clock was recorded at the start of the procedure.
7:59
